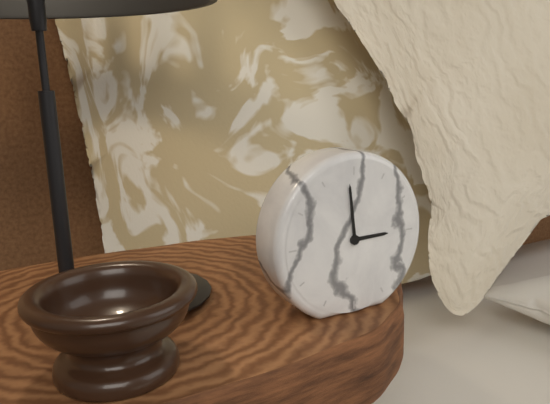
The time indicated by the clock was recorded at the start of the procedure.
2:59
